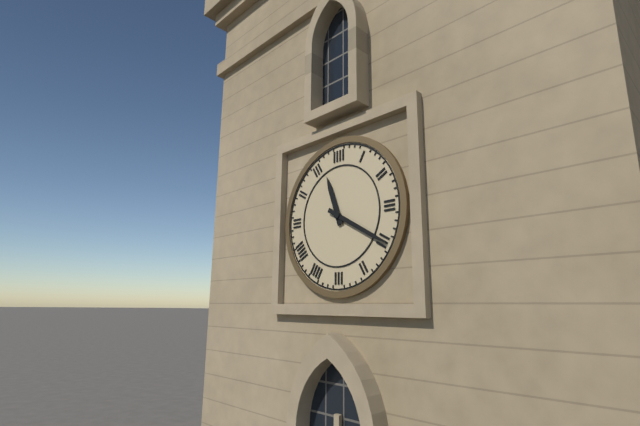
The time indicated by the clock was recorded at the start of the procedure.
11:20
